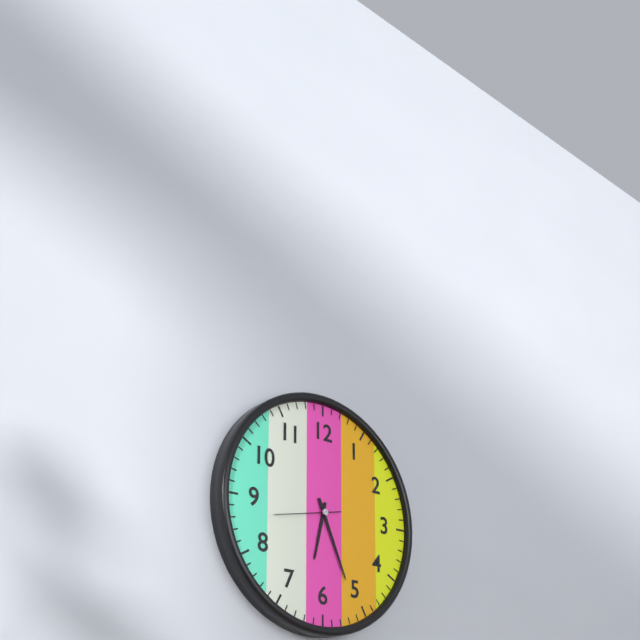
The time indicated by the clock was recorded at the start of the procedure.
6:26:43
